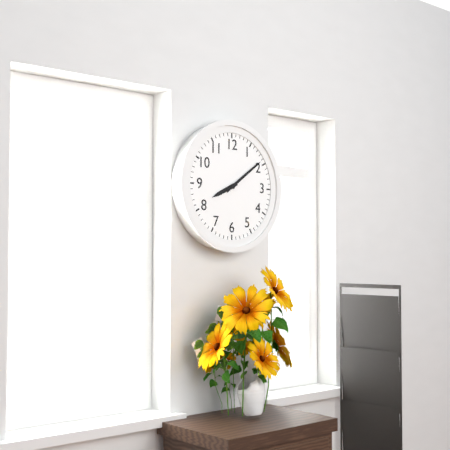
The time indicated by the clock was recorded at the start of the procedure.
8:09
